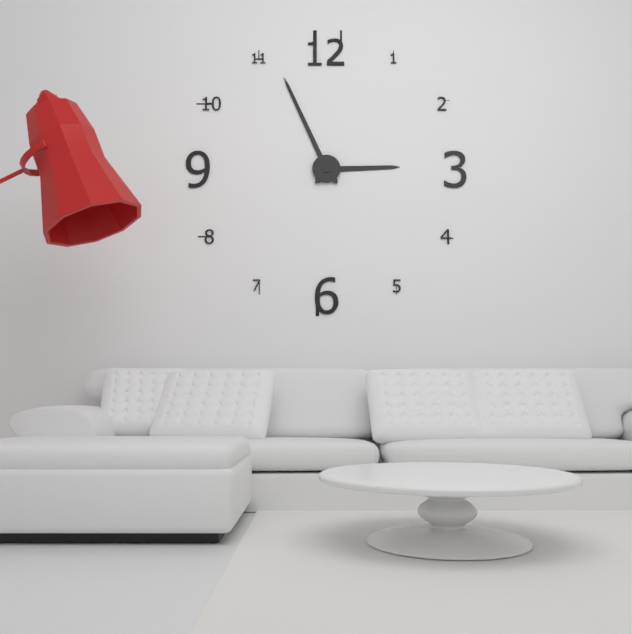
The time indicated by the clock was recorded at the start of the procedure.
2:56
